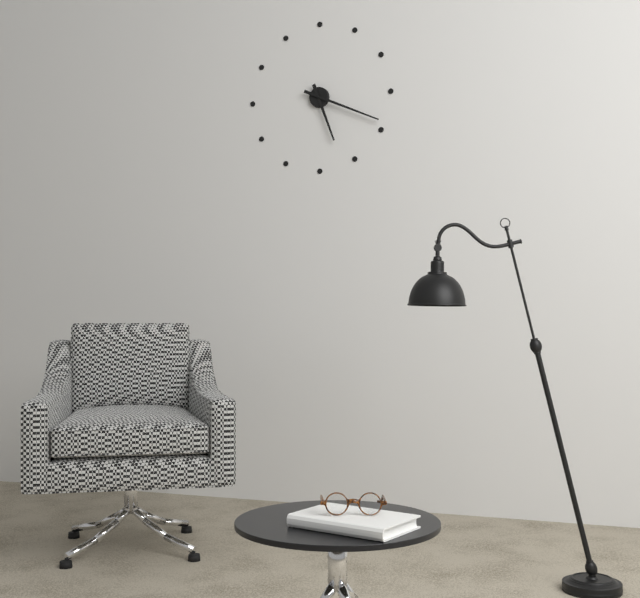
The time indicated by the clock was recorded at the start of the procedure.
5:19
